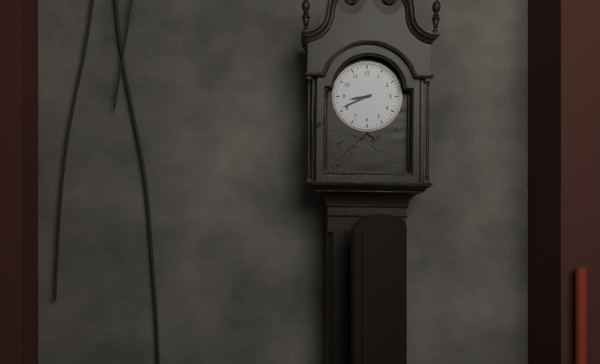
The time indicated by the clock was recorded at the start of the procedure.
8:41
